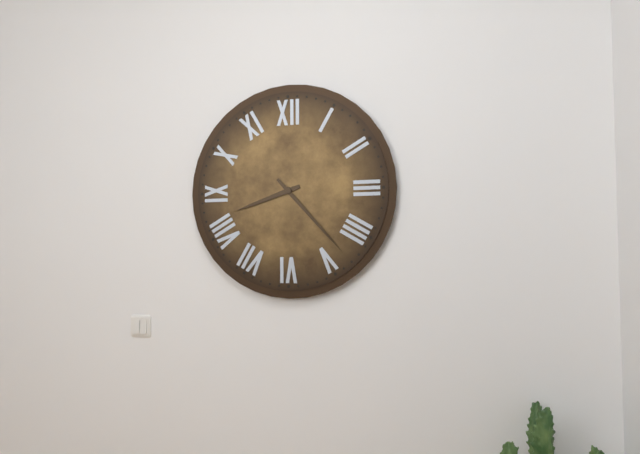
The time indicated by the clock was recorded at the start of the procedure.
8:23
